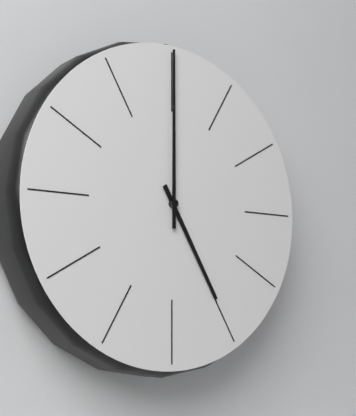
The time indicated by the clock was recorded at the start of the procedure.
5:00
